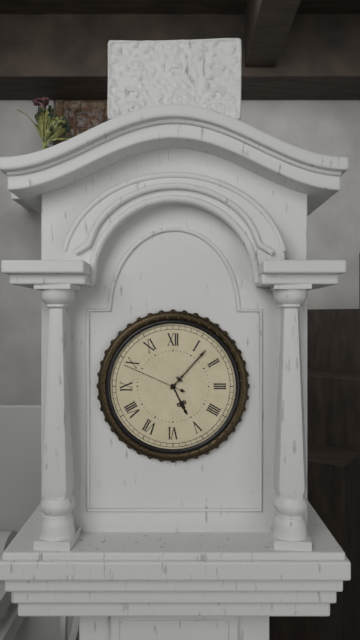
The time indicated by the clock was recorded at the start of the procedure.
5:07:49
